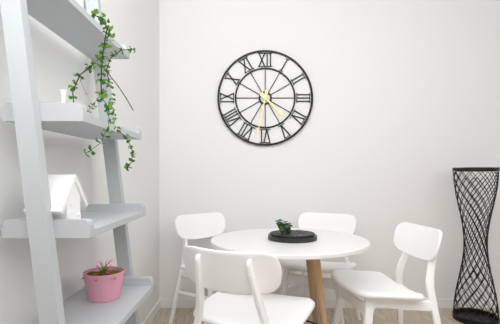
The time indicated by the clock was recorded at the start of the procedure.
4:32
